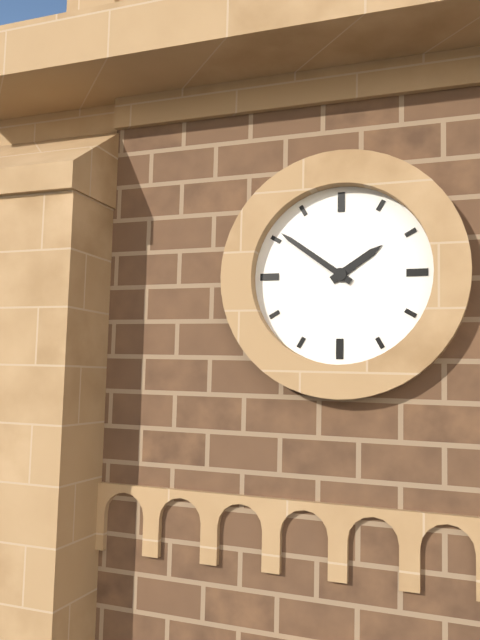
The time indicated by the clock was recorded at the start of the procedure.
1:51
